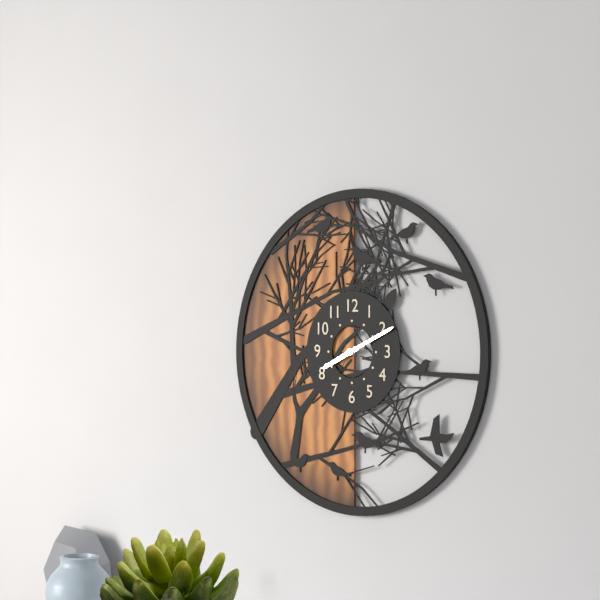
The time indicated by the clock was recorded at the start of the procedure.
8:11
